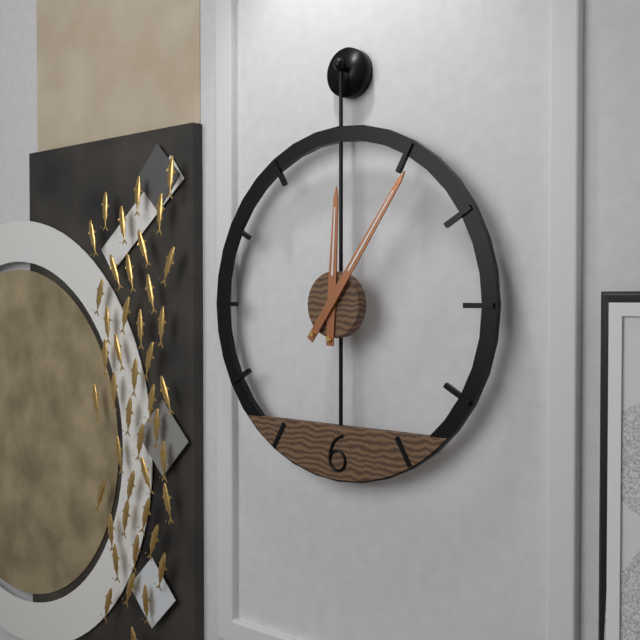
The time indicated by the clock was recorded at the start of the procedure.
12:06
